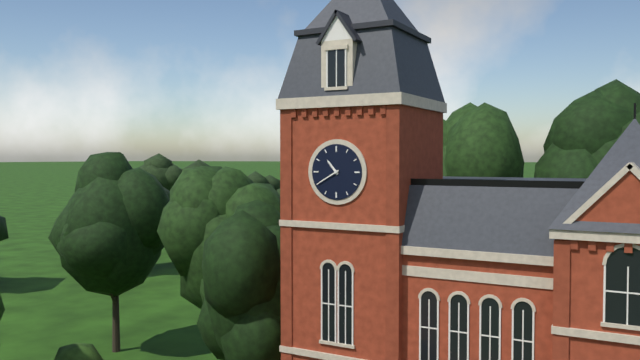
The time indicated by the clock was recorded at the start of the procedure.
10:40
